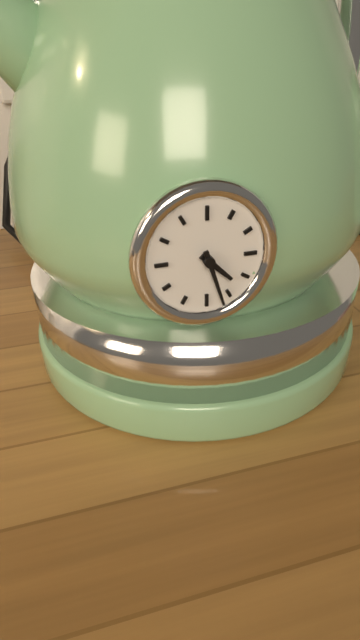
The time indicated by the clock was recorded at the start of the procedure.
4:27
